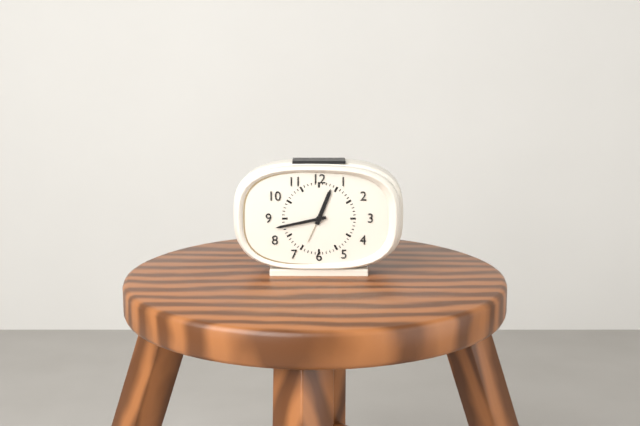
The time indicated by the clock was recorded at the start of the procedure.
12:43
